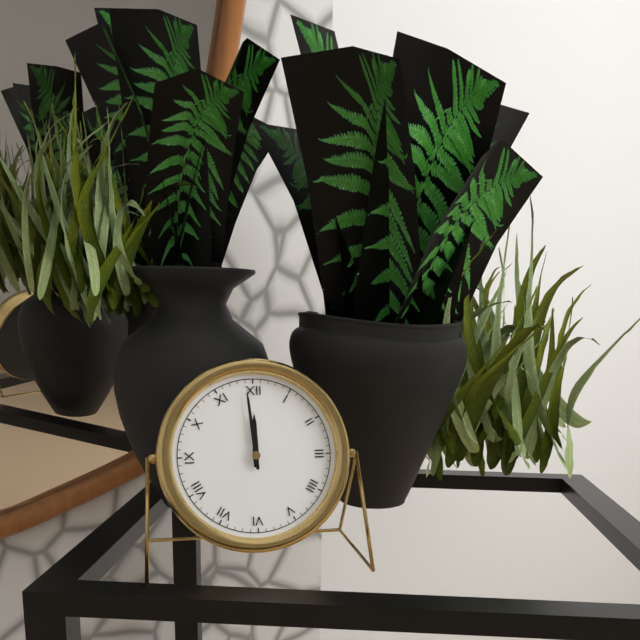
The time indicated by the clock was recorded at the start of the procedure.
11:59
